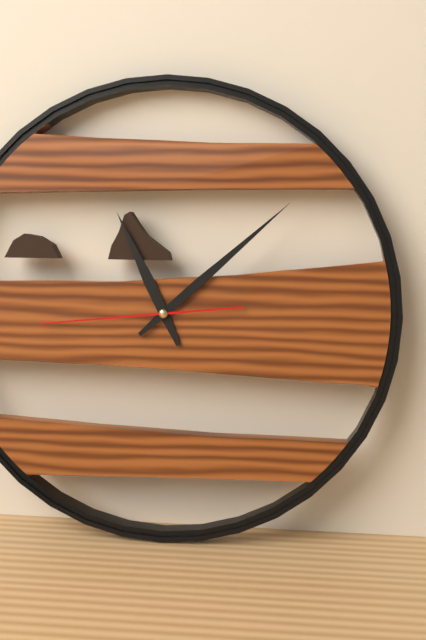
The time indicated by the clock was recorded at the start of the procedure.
11:08:44
